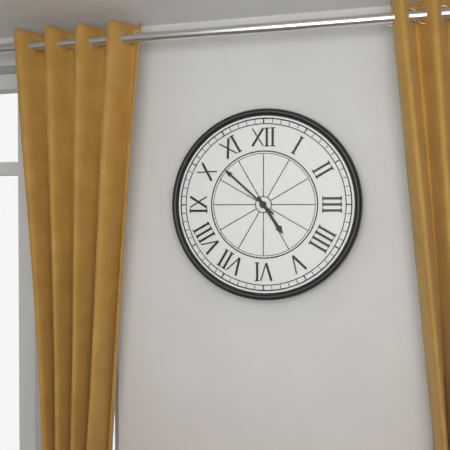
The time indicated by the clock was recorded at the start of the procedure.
4:52
